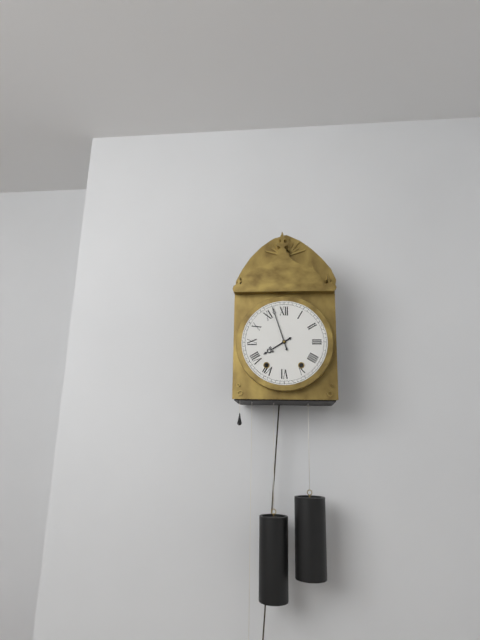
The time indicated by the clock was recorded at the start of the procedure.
7:57
